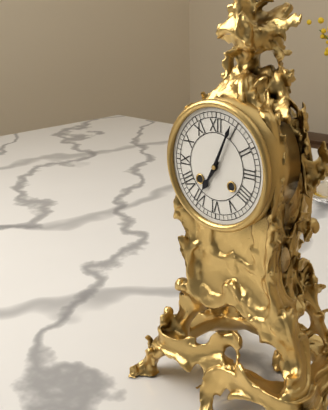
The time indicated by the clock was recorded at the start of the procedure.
7:04
